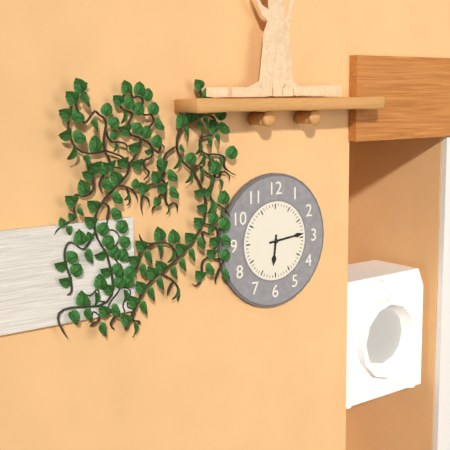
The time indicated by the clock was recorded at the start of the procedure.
6:14
